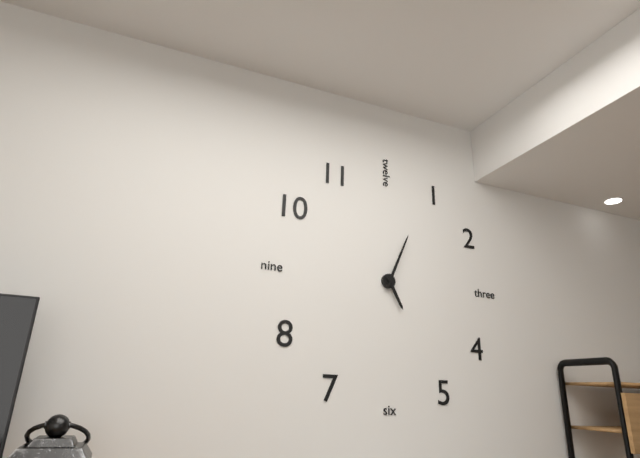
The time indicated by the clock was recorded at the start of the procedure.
5:04
